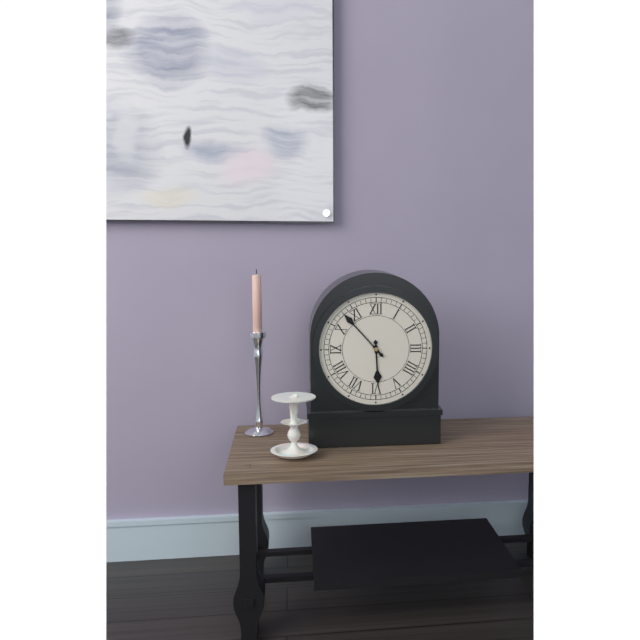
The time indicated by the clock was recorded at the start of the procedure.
5:53
